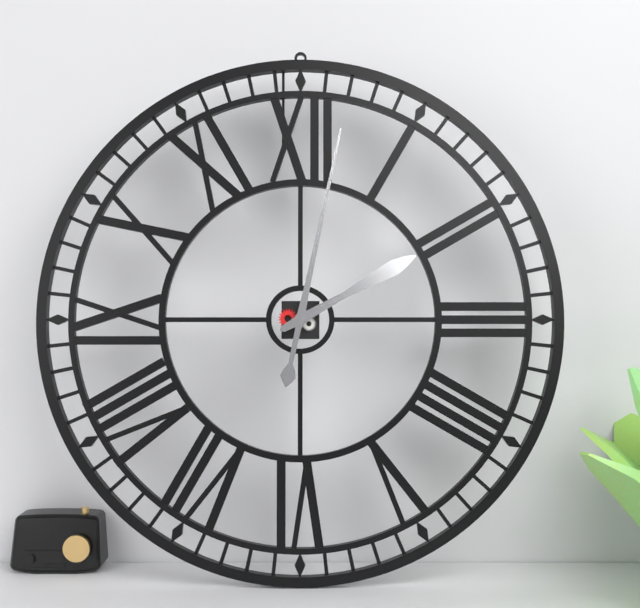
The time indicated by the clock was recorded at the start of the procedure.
2:02
